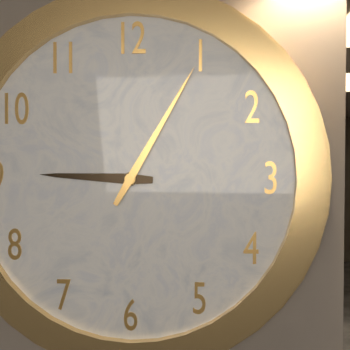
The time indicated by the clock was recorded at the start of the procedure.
9:05
